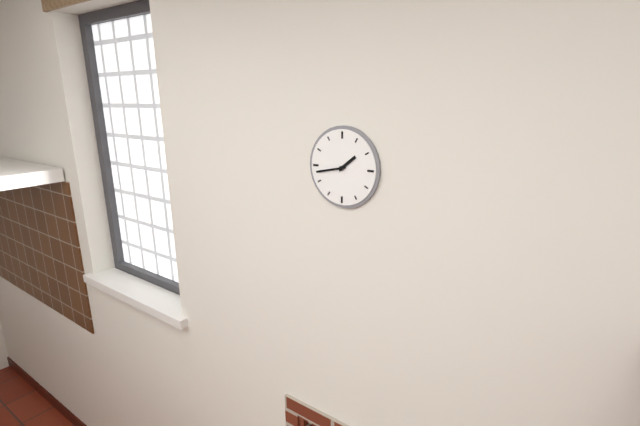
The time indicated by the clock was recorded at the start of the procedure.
1:43
